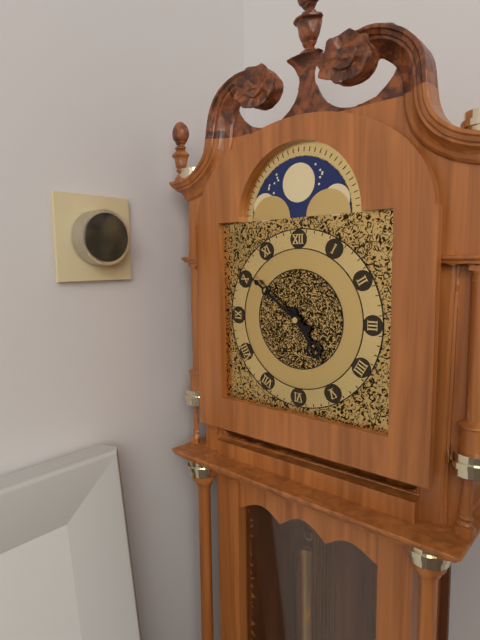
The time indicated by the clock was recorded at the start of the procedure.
4:51
